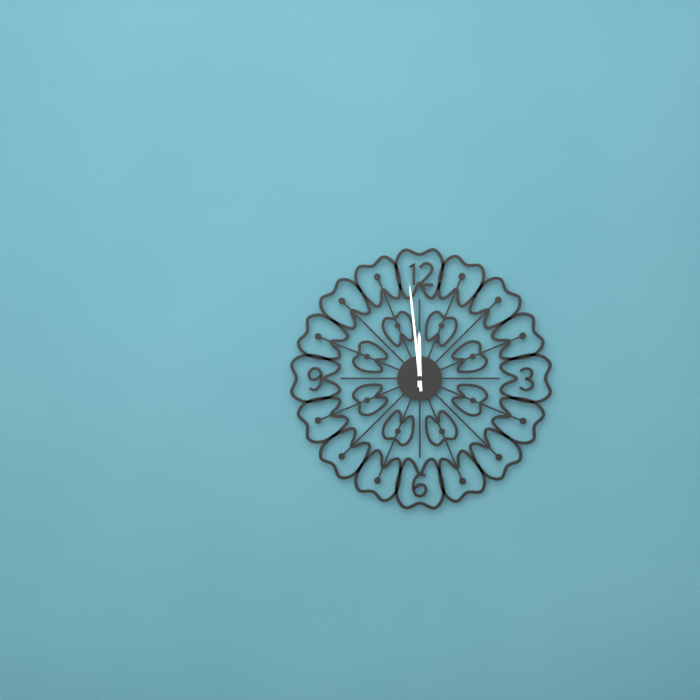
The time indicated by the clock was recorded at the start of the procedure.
11:59
